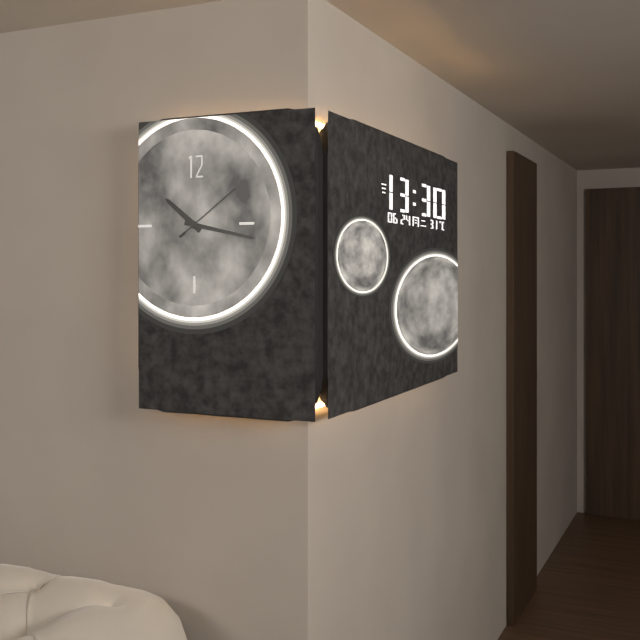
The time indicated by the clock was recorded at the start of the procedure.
10:17:09
